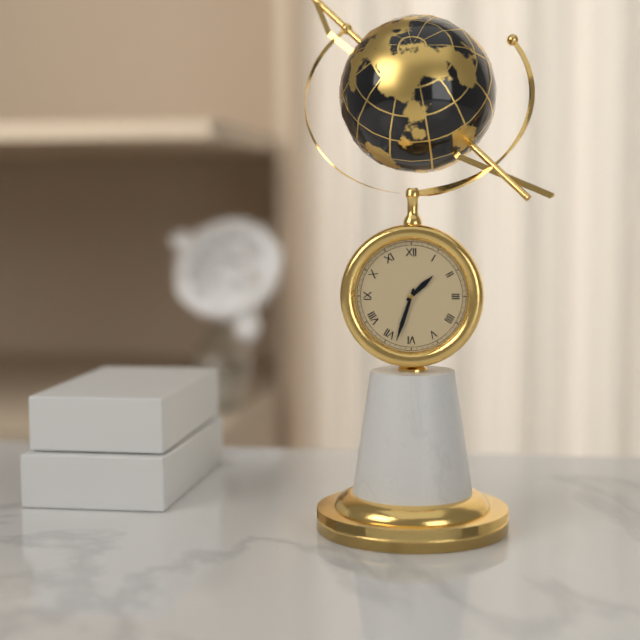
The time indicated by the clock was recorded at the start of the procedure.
1:33
